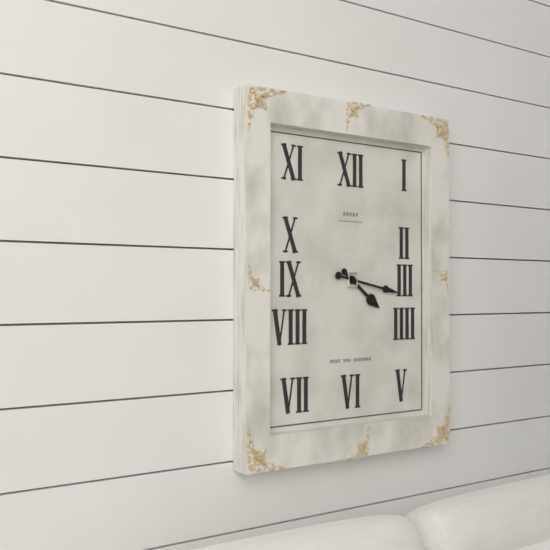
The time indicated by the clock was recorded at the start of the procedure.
4:17
